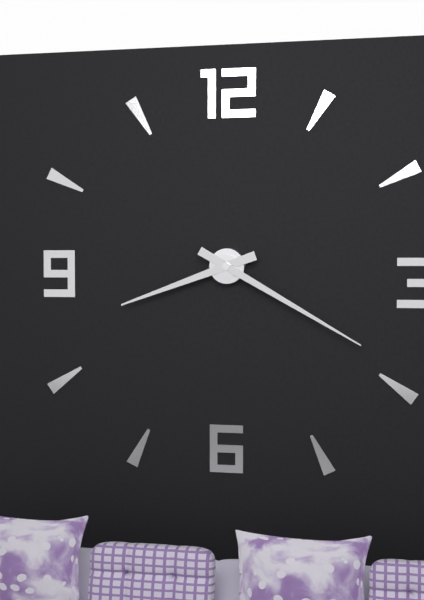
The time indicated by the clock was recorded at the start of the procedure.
8:20
